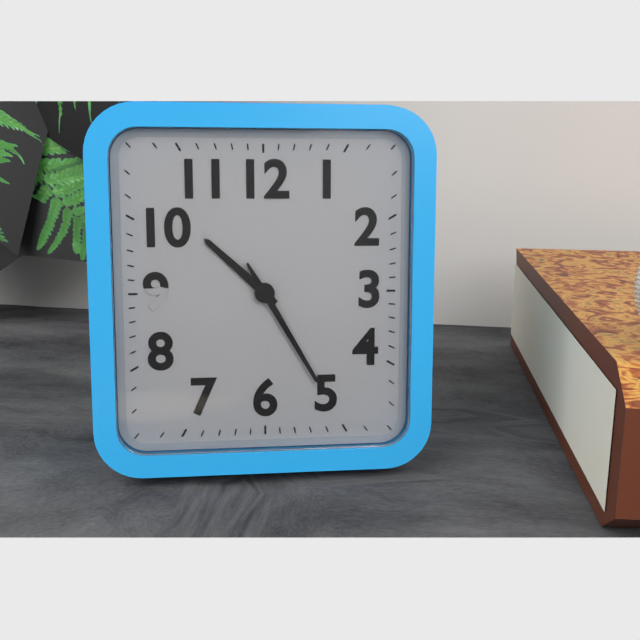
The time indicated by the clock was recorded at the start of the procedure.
10:25
